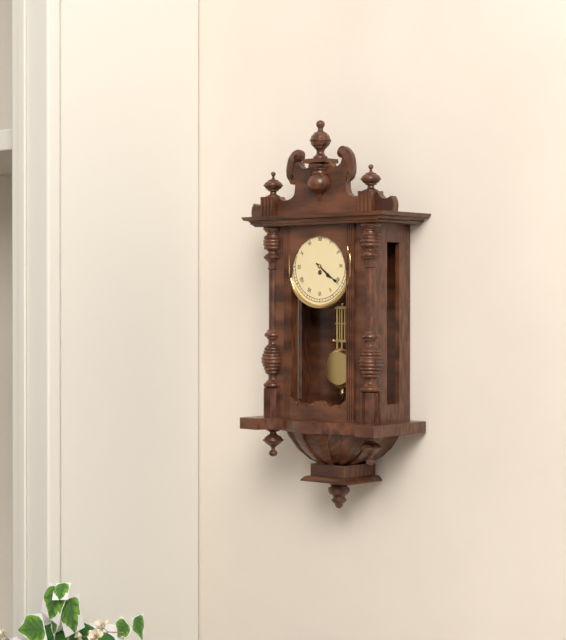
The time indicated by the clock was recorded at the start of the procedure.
4:21
